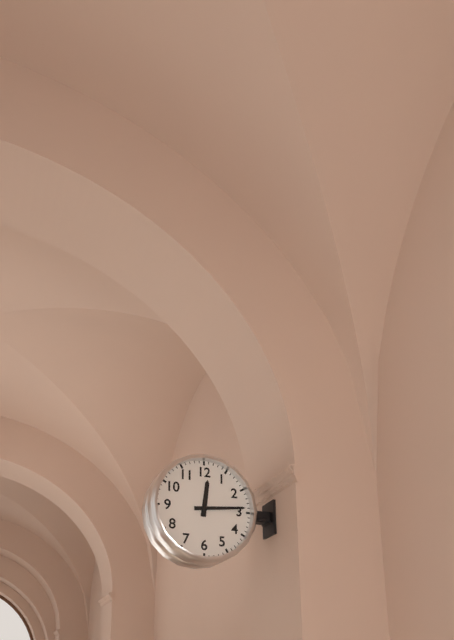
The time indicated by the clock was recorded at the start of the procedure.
12:14
